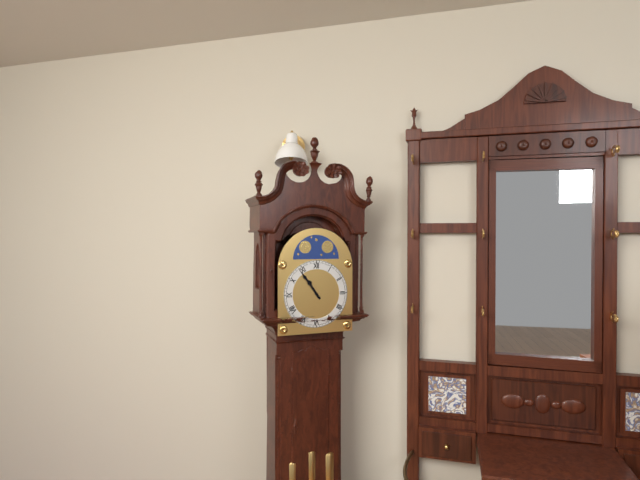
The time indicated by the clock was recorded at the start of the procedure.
10:54
